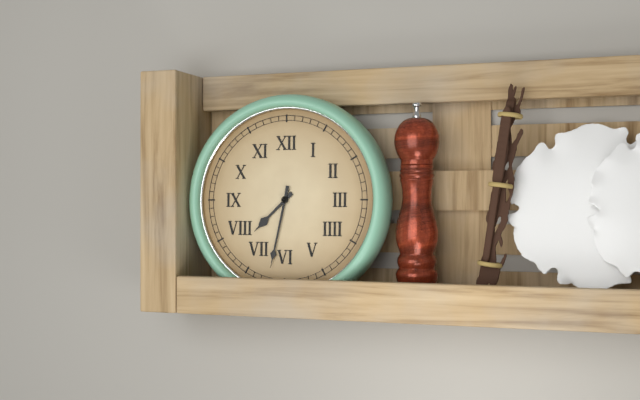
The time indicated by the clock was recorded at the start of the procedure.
7:32
